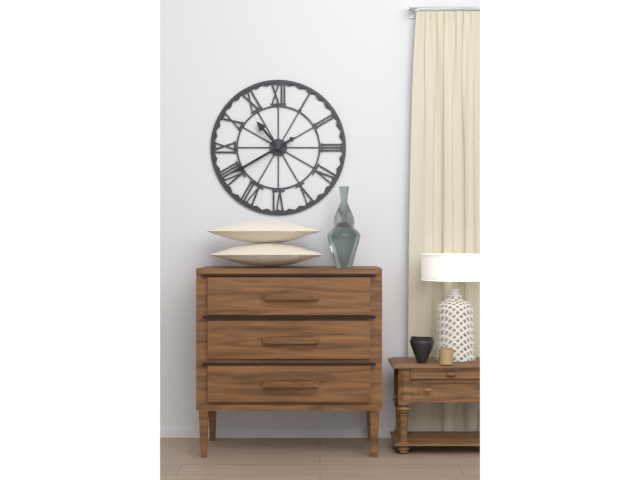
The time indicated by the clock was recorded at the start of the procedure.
10:40
